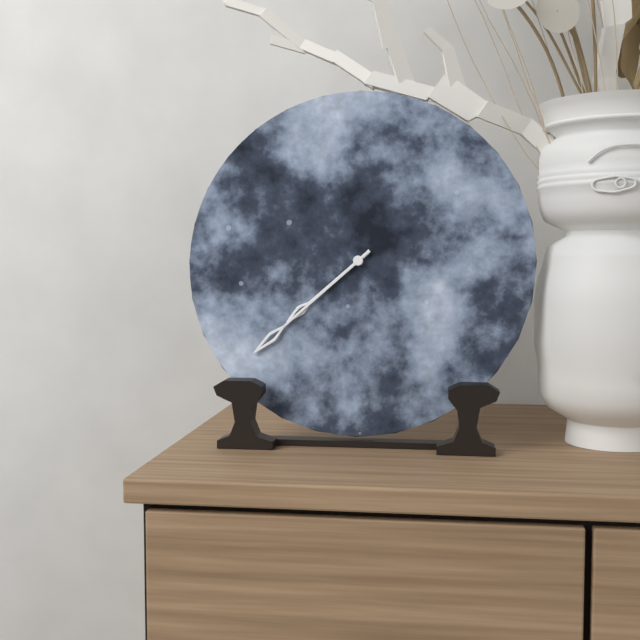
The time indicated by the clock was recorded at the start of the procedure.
7:38
